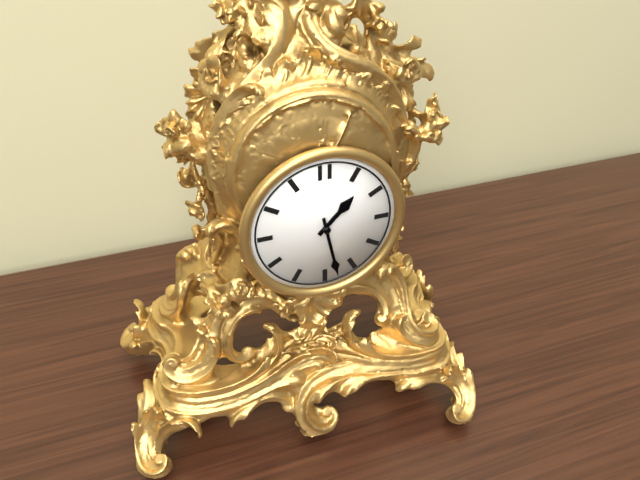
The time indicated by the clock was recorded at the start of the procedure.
1:28
